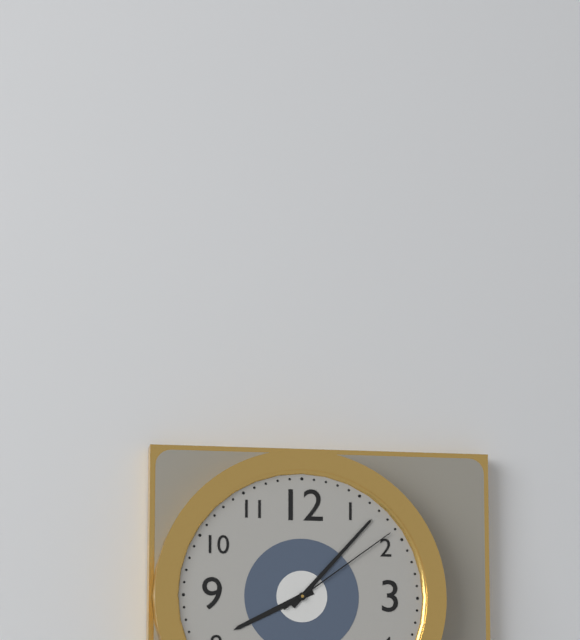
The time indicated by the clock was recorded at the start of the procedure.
8:07:09
